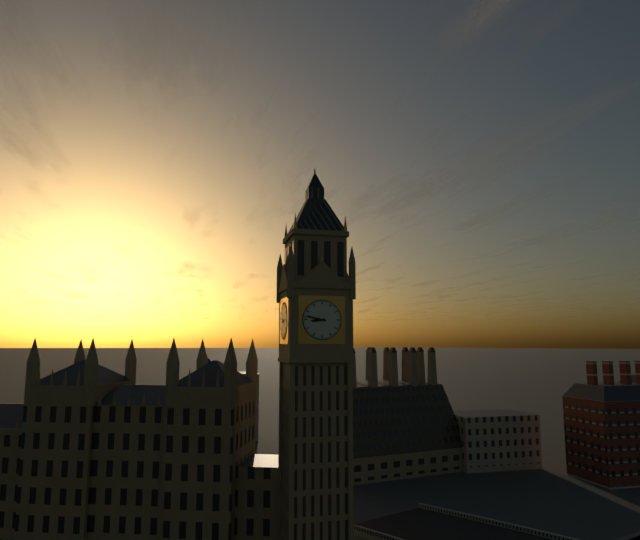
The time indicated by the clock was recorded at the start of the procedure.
8:47
